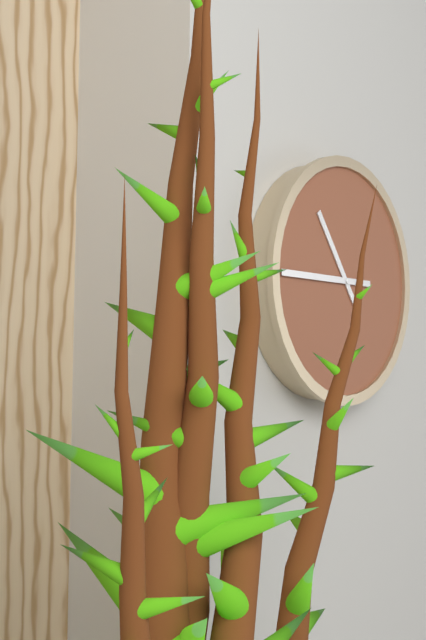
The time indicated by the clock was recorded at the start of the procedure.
10:45
